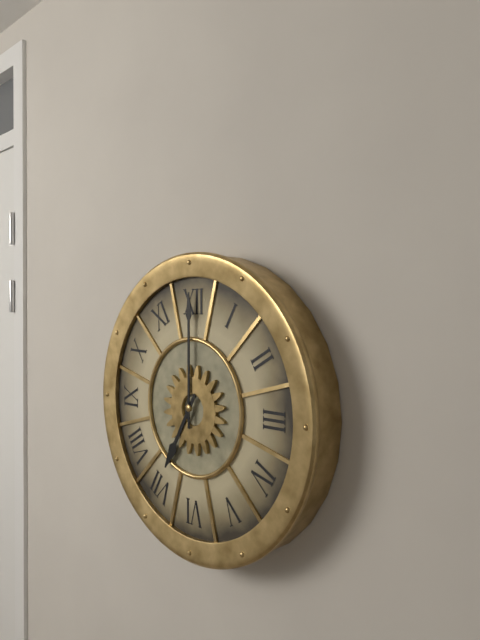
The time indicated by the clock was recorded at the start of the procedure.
7:00
